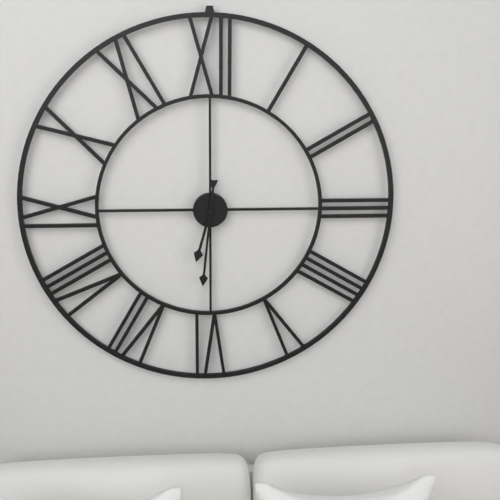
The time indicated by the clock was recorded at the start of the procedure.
6:31
